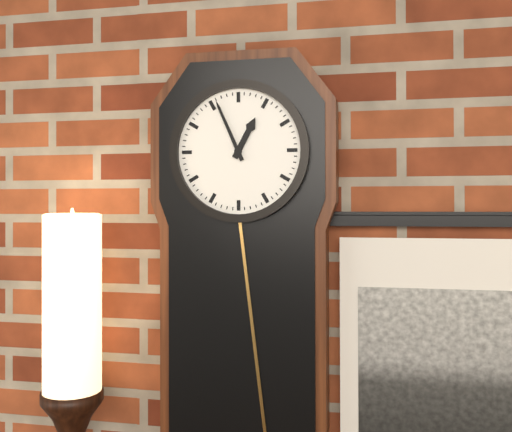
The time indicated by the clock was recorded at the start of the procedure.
12:56
